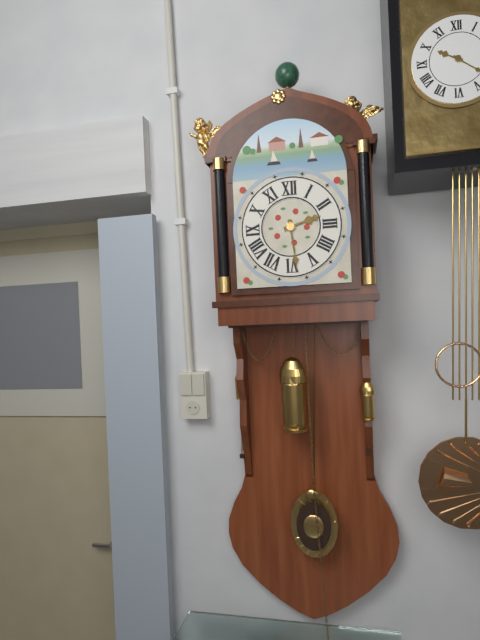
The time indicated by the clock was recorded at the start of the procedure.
2:29
